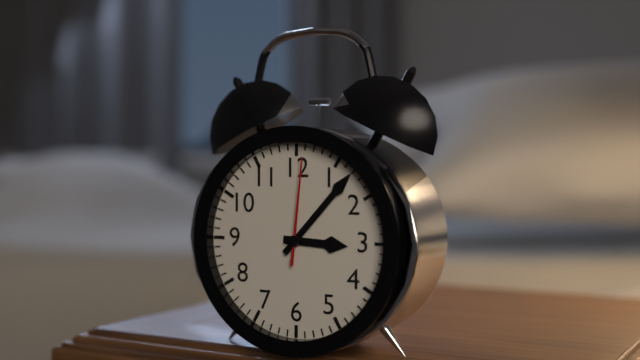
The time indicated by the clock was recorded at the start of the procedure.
3:07:01
